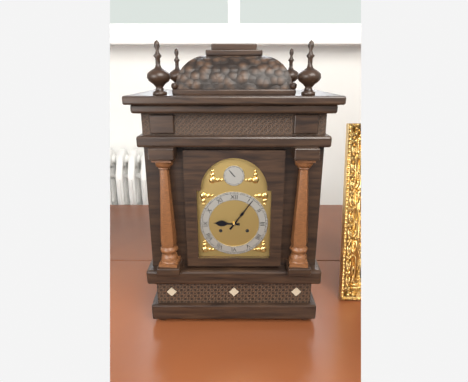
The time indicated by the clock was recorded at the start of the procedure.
9:06
